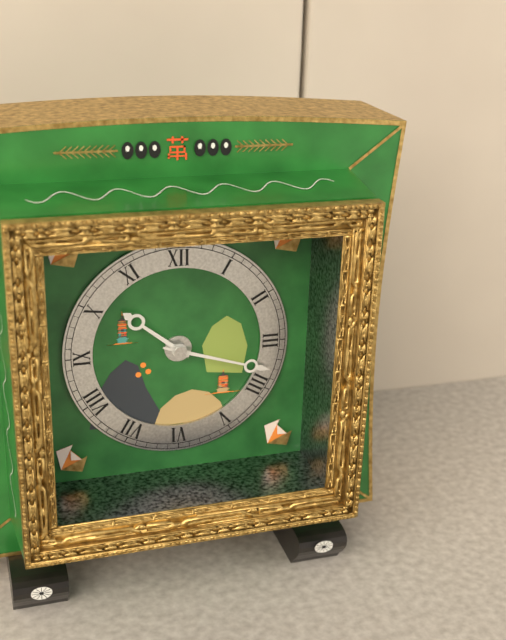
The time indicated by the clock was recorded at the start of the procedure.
10:18
